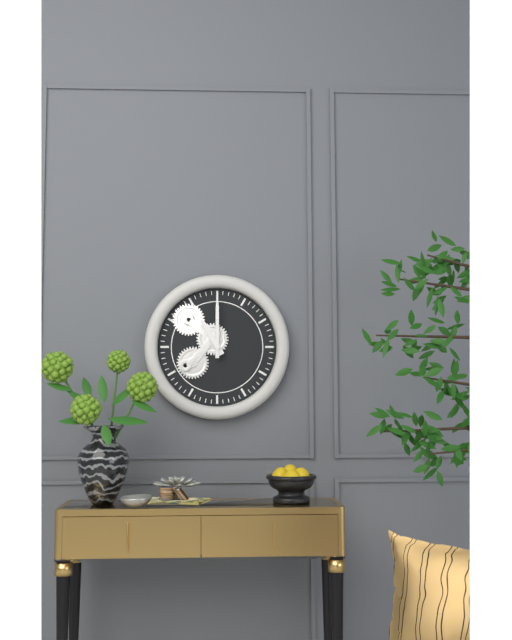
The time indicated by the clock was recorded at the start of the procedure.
11:00
